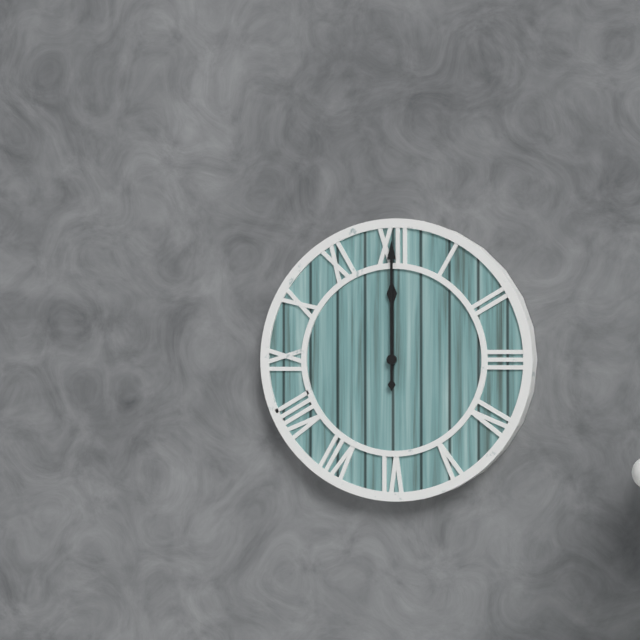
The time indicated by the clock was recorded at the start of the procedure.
12:00
